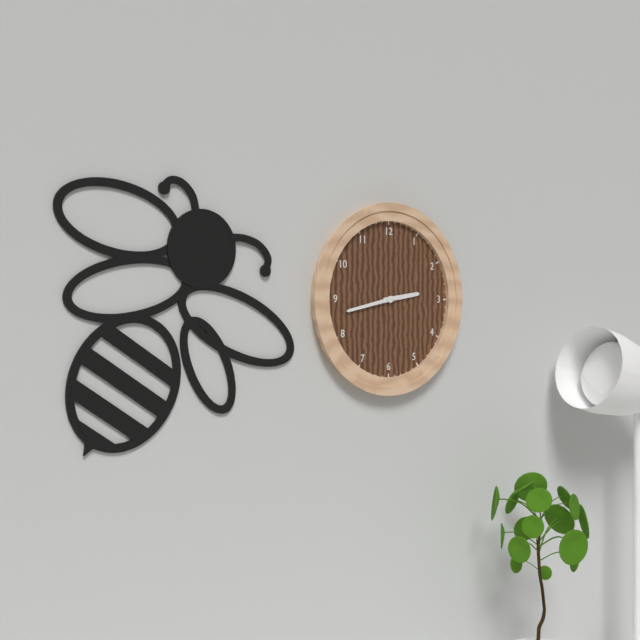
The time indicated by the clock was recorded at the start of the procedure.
2:43
